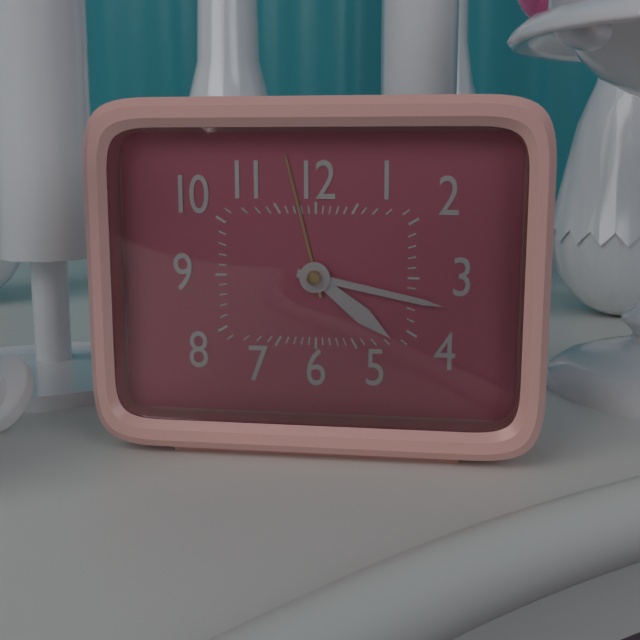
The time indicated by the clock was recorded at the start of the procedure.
4:17
